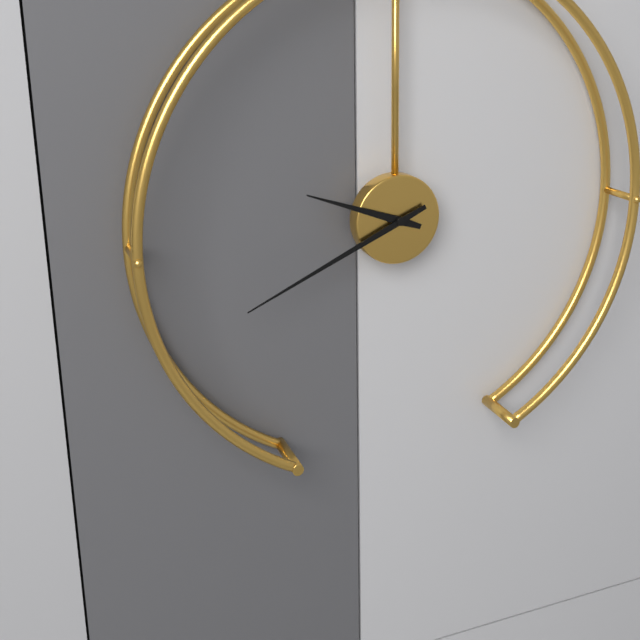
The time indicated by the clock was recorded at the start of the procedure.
9:41
